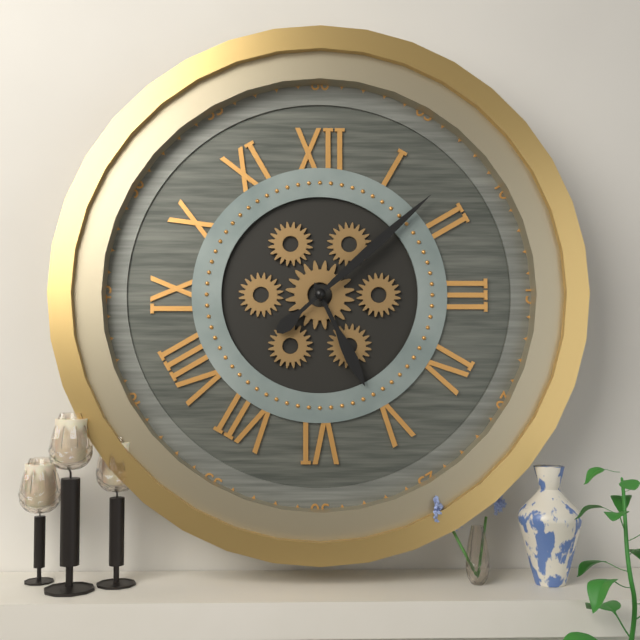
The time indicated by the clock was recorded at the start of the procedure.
5:08
